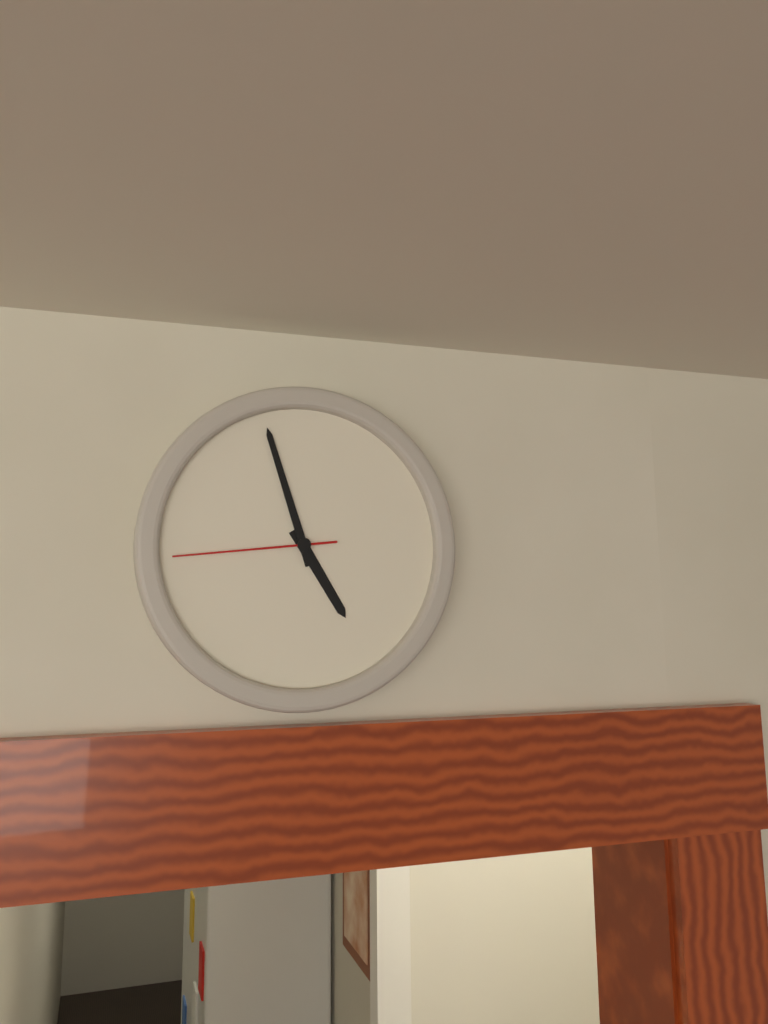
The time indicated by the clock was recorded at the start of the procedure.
4:57:44
